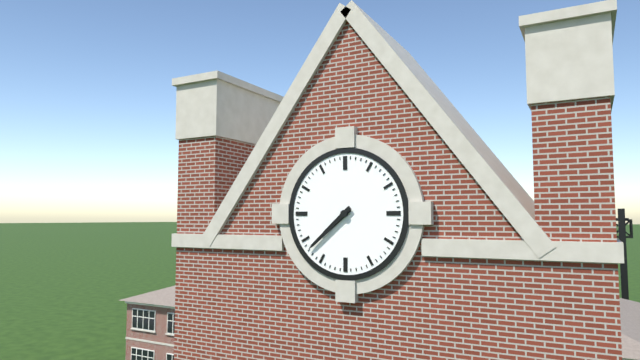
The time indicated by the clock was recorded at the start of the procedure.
7:38
